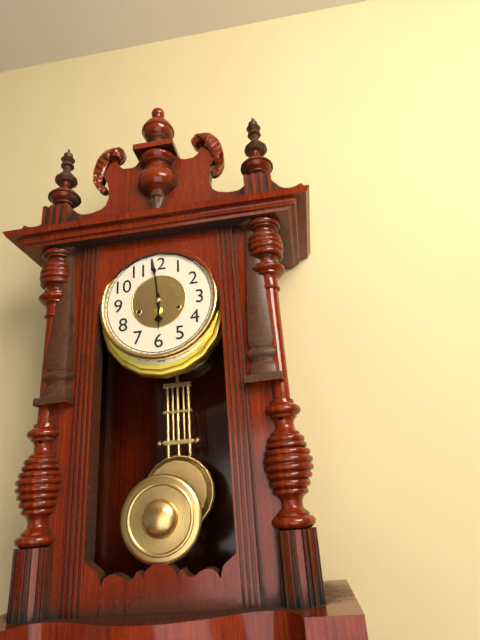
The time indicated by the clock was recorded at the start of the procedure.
5:59
